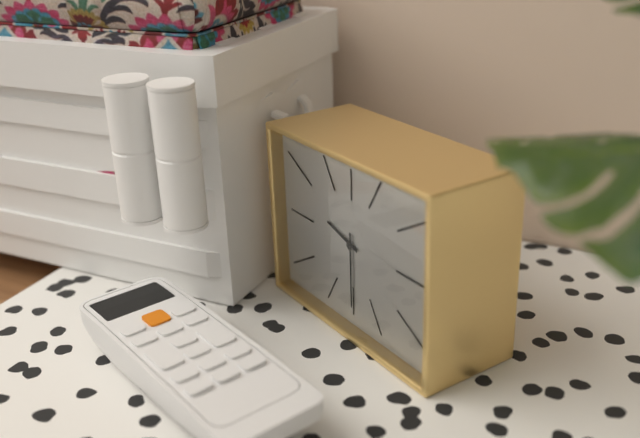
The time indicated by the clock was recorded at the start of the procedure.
9:30
